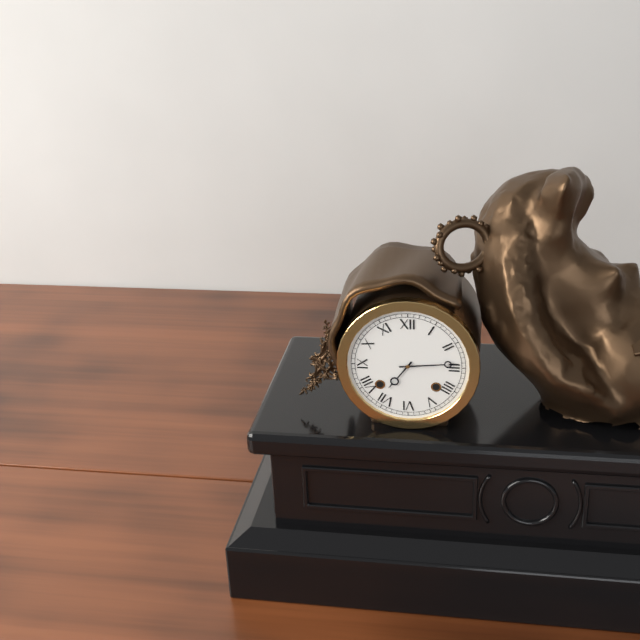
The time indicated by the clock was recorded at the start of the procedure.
7:14
